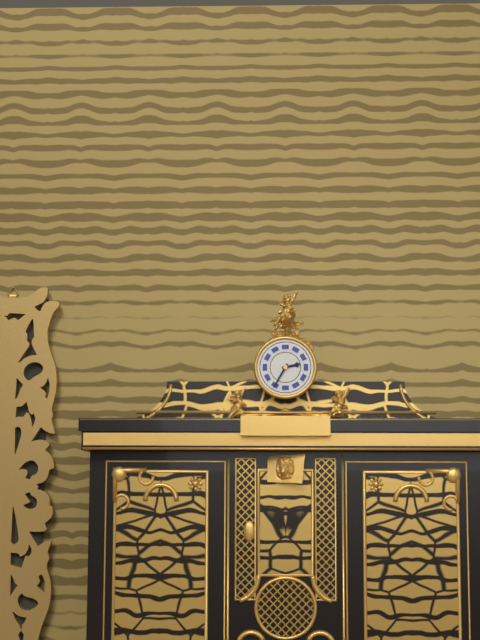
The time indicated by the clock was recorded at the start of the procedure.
2:35
